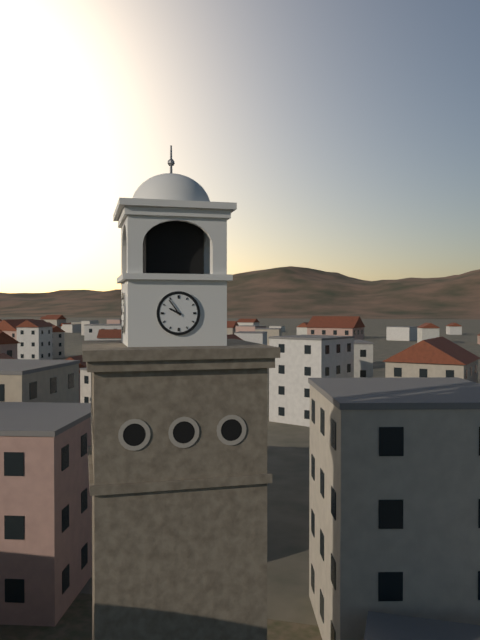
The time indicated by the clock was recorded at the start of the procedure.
9:54
